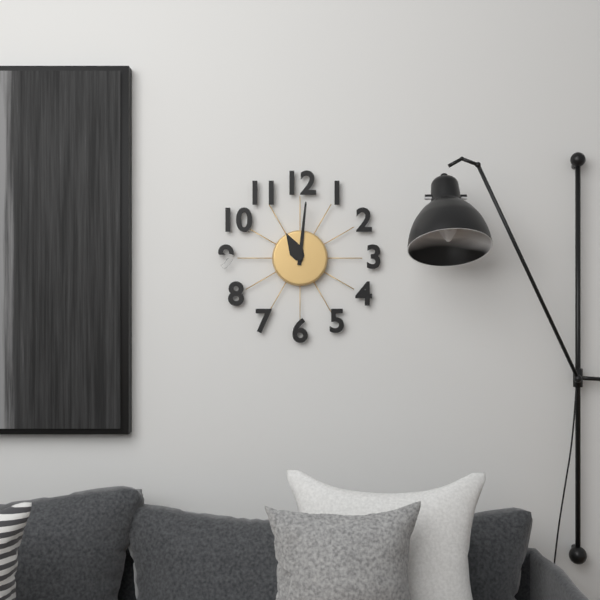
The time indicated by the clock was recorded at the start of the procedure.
11:01
